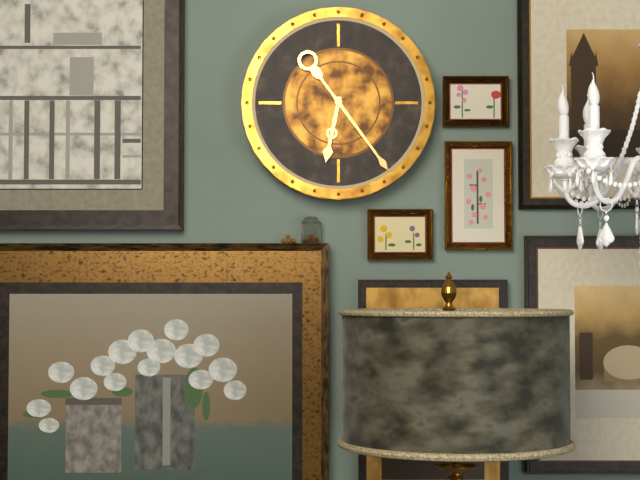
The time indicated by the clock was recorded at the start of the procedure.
6:24
